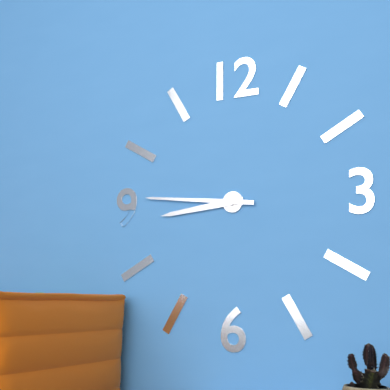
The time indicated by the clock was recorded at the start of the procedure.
8:46
